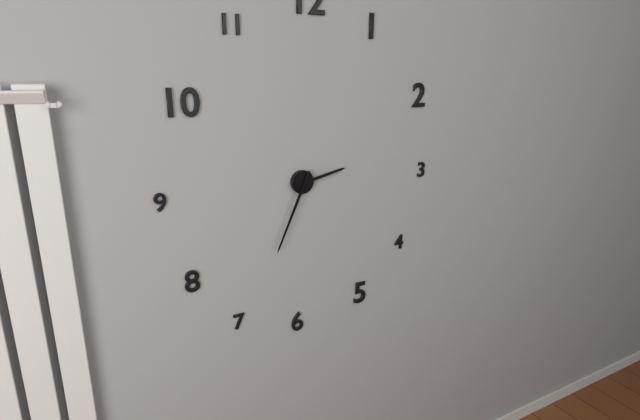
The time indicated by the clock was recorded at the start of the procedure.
2:34
